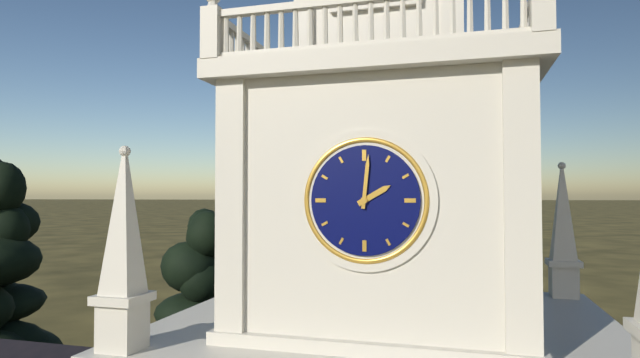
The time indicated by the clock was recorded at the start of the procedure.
2:01
